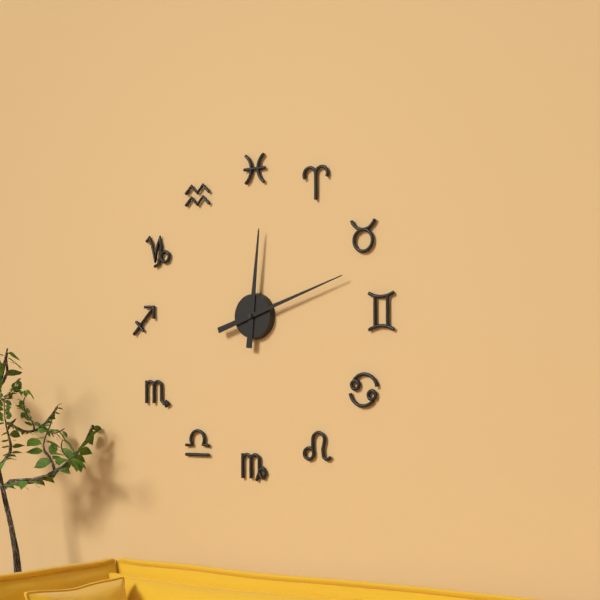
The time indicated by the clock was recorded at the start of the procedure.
12:12
